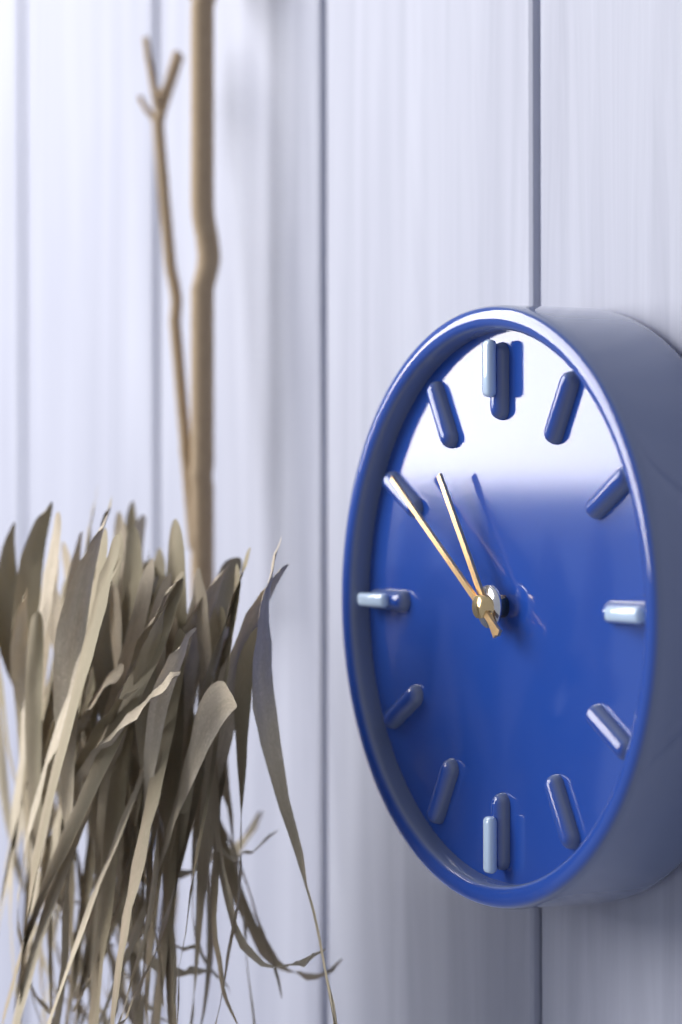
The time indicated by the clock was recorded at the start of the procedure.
10:51
